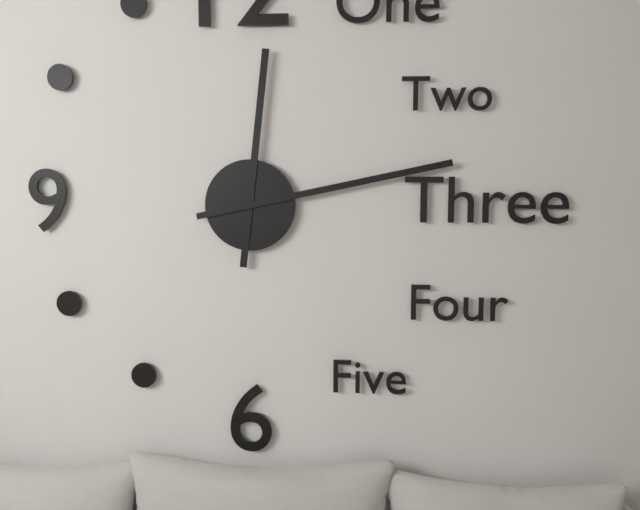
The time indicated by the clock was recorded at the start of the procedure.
12:13
